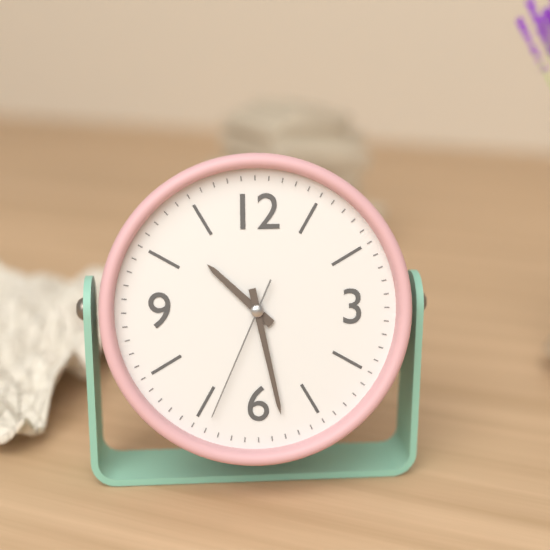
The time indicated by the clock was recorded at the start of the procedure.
10:28:34
